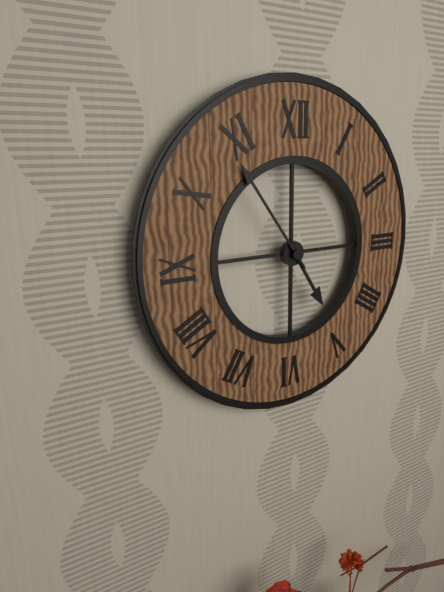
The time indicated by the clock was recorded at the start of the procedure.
4:54
